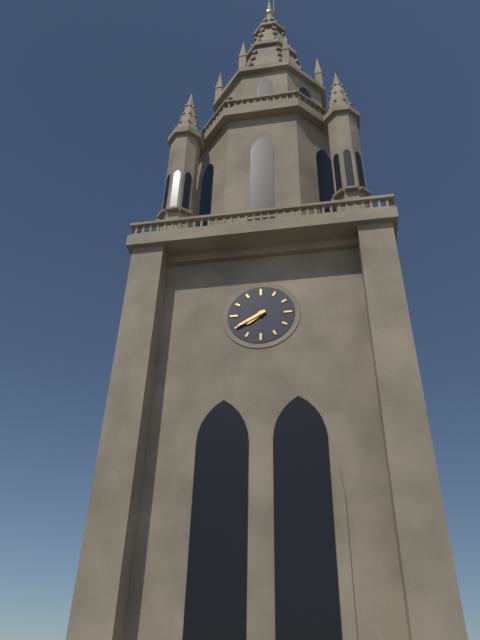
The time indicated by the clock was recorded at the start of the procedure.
7:40
